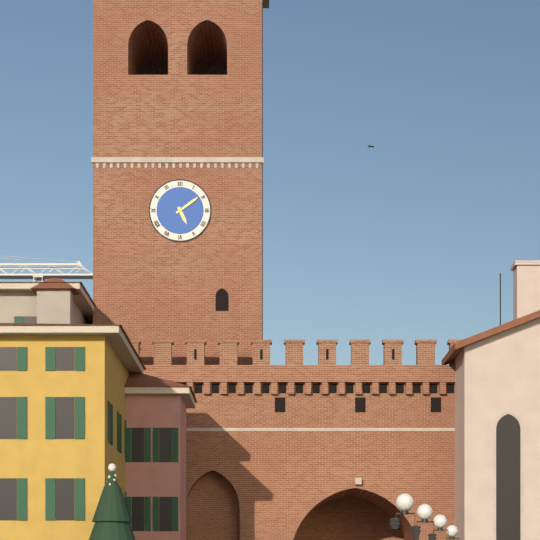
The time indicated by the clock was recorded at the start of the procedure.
5:09
